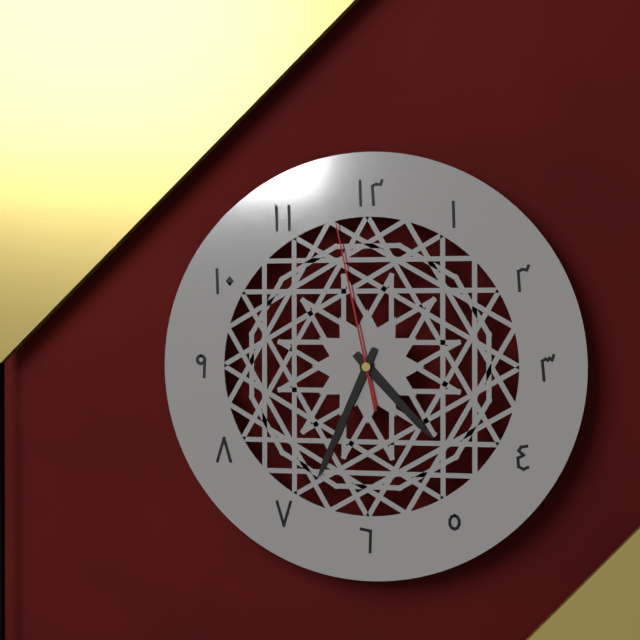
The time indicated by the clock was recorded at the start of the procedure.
4:34:58
